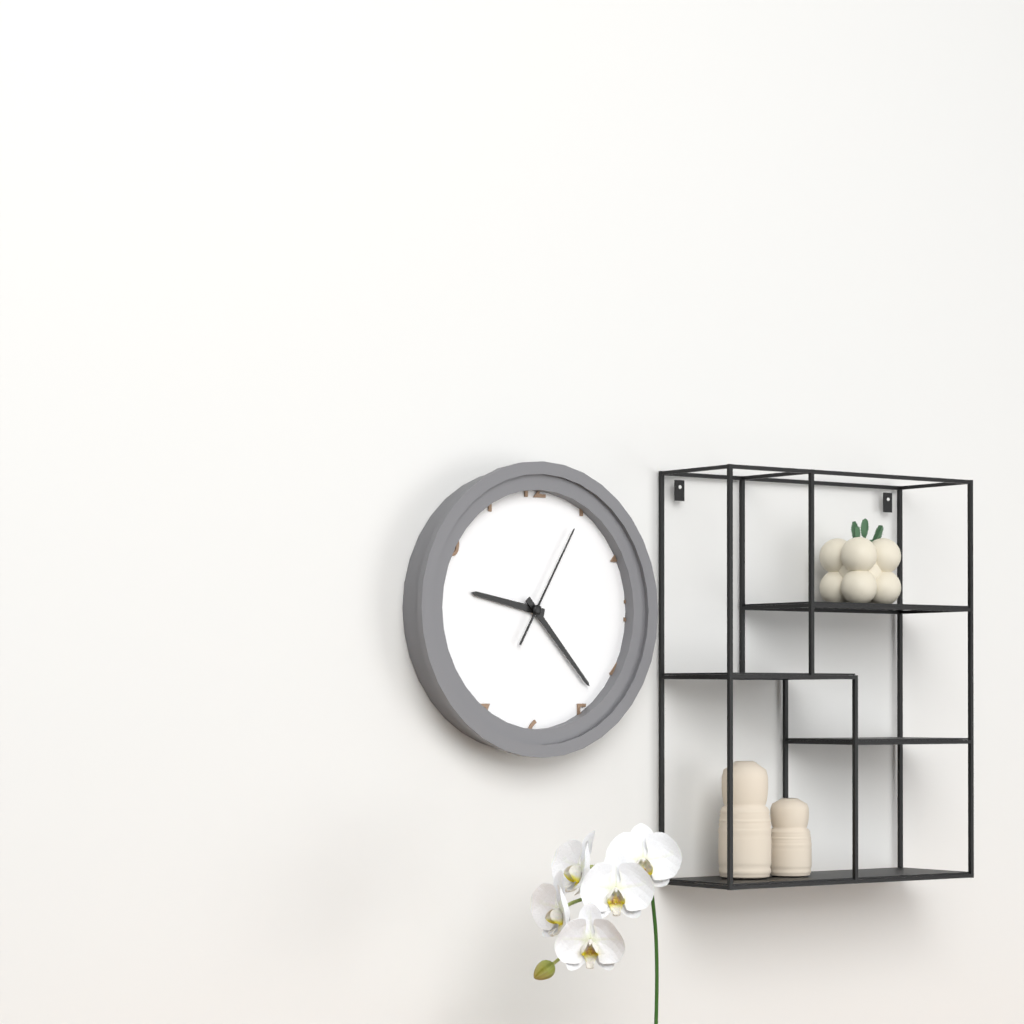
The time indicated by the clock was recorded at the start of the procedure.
9:23:05
